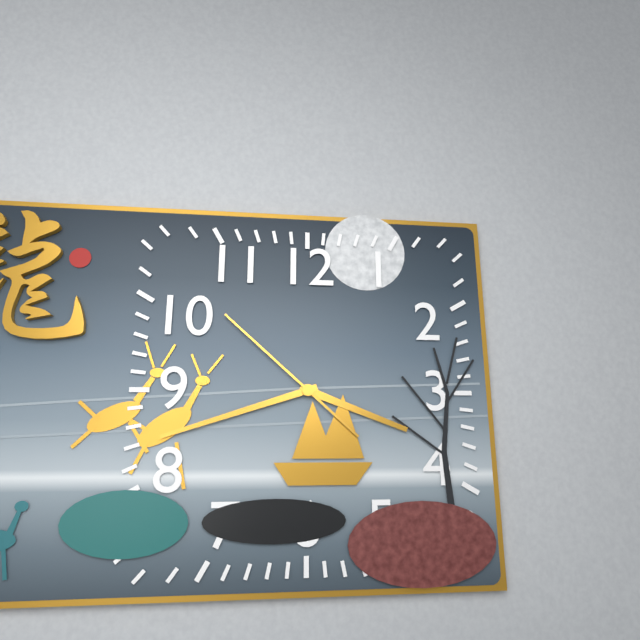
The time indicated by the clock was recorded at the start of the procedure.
3:42:52
